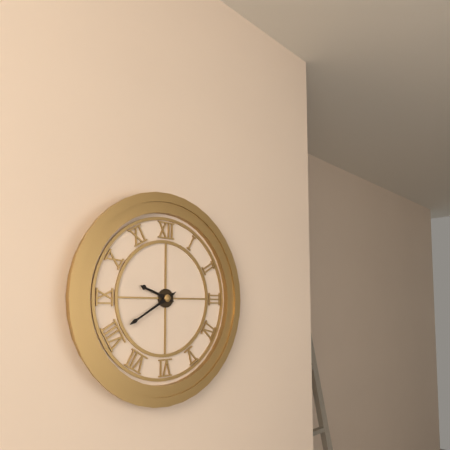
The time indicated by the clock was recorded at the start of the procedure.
9:40
